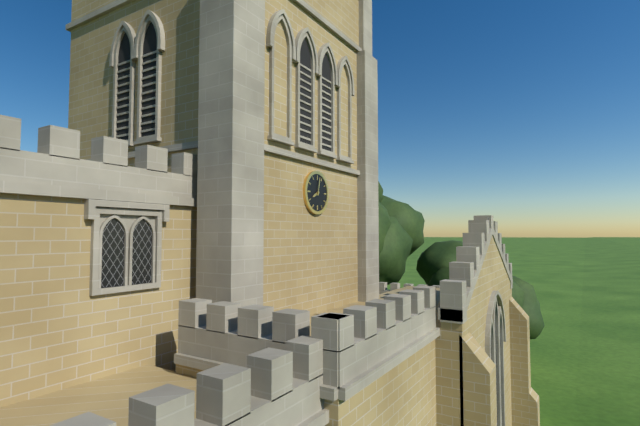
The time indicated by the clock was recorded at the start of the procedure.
8:02
